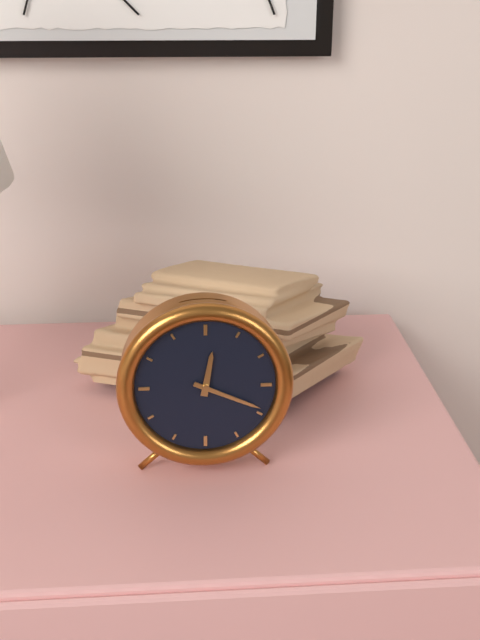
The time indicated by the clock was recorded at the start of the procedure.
12:19
